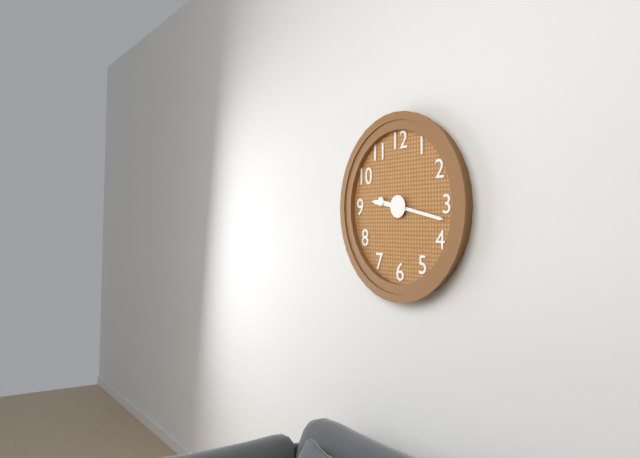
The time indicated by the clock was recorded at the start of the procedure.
9:17
